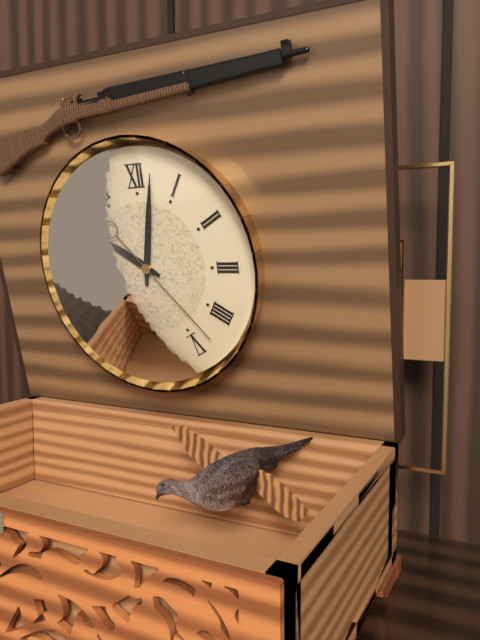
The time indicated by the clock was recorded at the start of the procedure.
10:02:23
